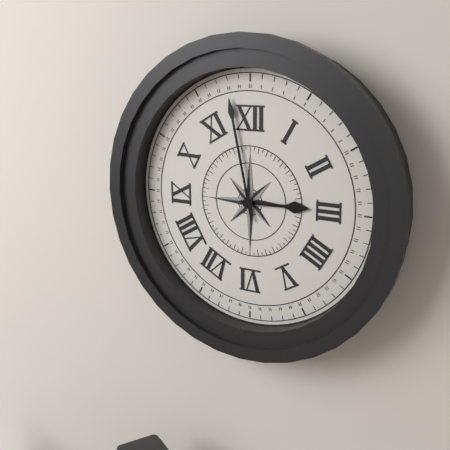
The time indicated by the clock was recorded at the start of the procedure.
2:58
